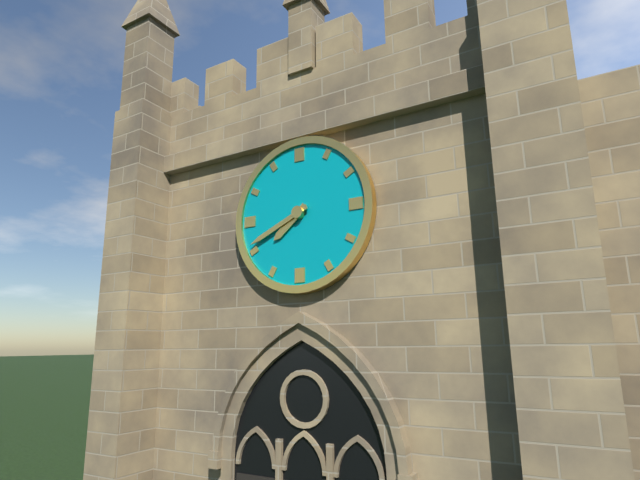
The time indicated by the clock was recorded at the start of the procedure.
7:41
